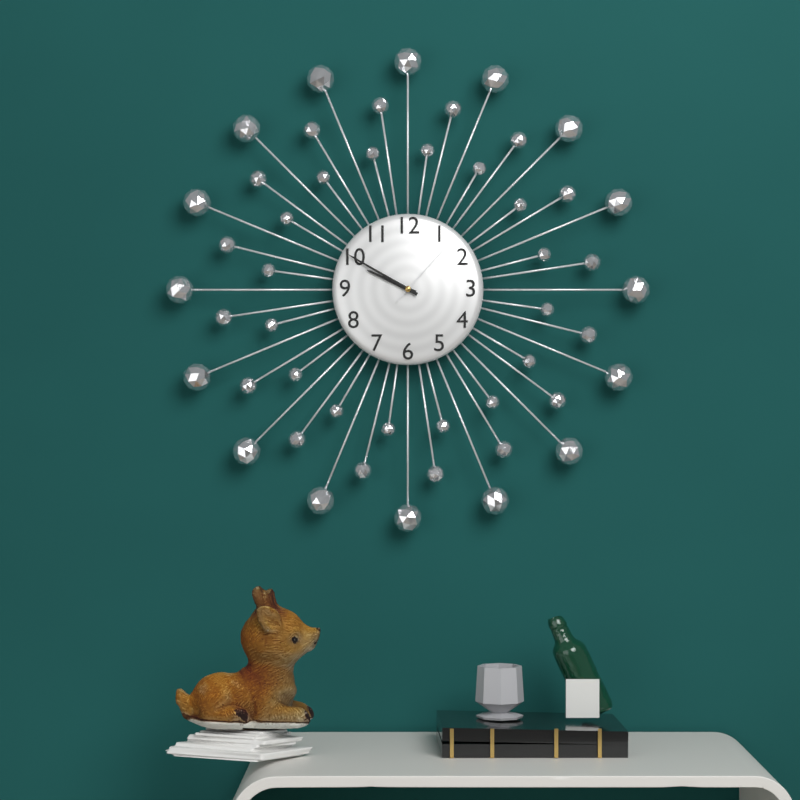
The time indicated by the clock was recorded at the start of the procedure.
9:50:07
